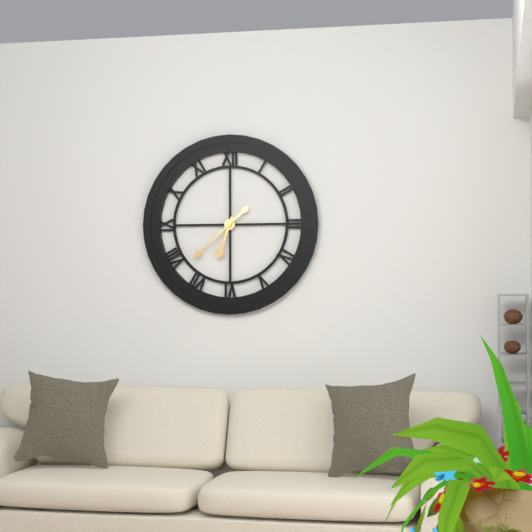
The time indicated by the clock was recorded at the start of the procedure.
6:38
